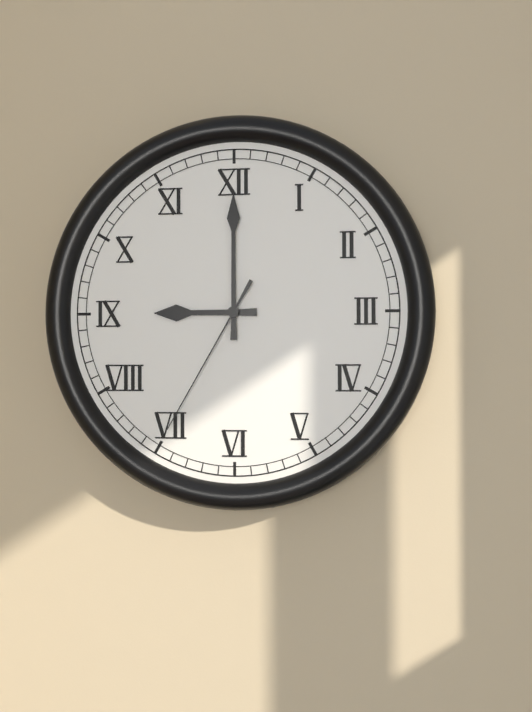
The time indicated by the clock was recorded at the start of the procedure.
9:00:35
